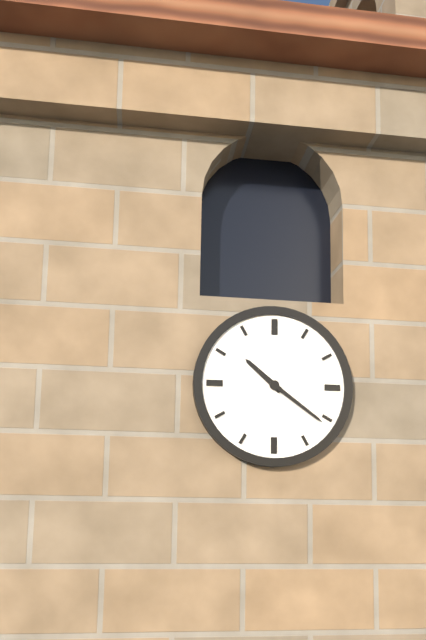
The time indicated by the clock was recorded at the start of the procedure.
10:21
